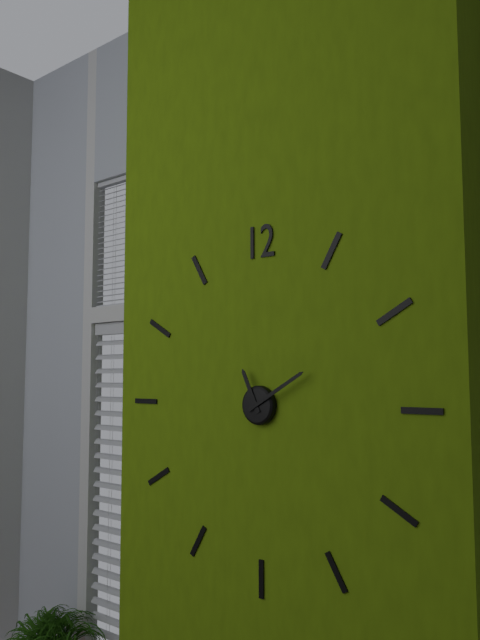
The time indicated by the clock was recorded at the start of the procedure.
11:10
